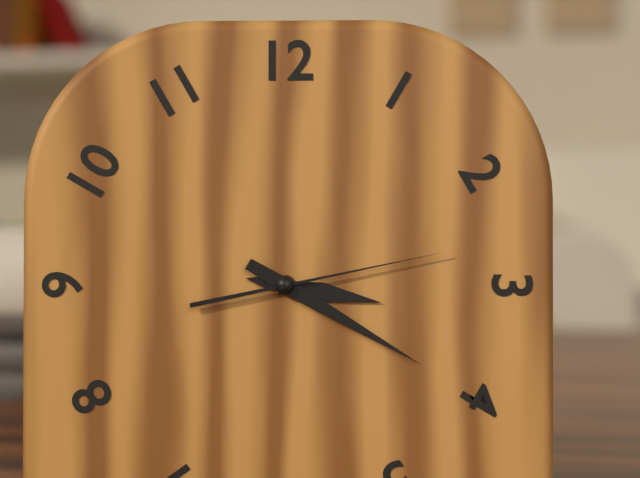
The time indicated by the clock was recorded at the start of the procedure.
3:20:13
